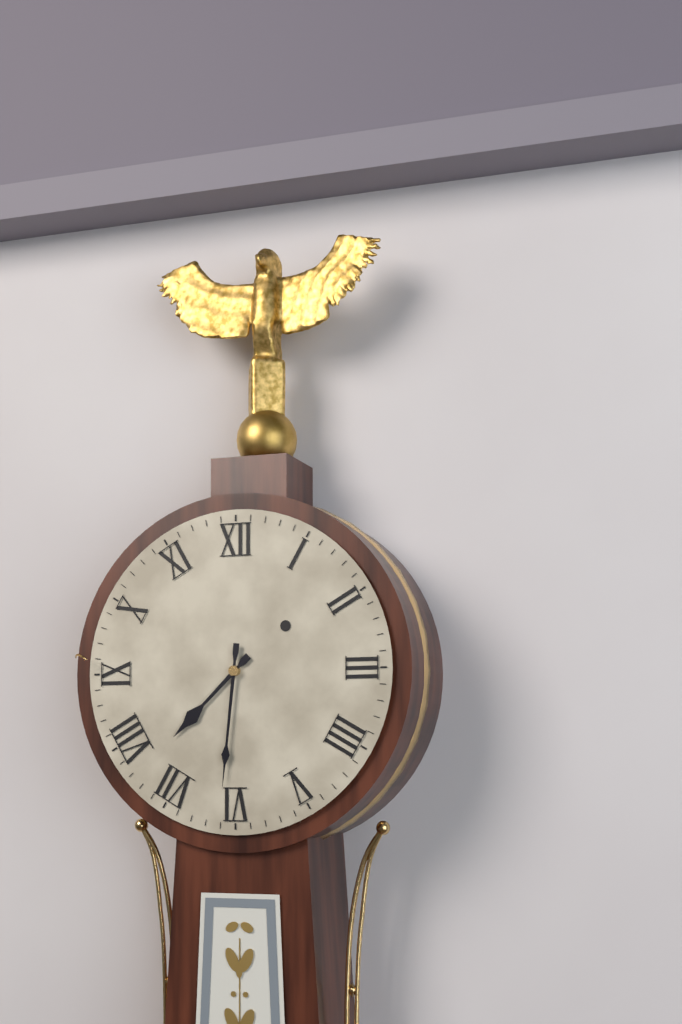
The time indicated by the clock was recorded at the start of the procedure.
7:31
